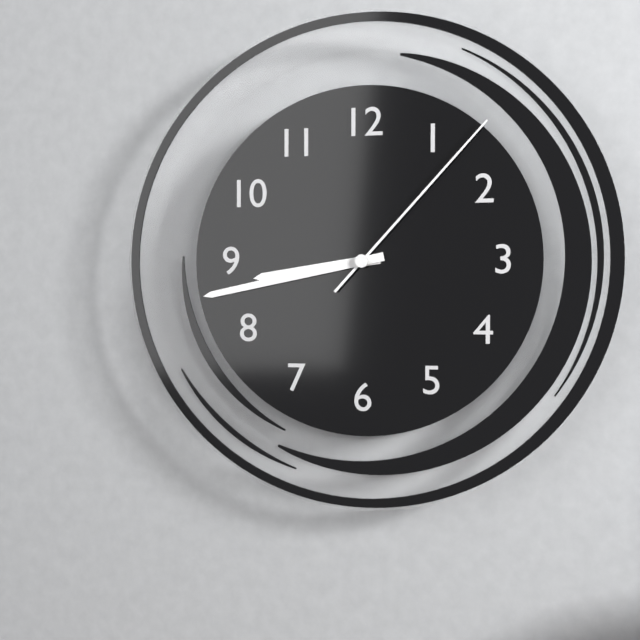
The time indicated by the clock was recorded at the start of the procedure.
8:43:07
